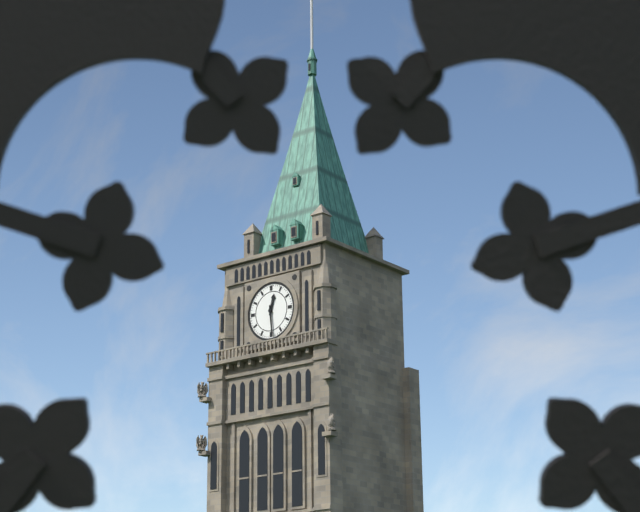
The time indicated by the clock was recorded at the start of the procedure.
12:29
